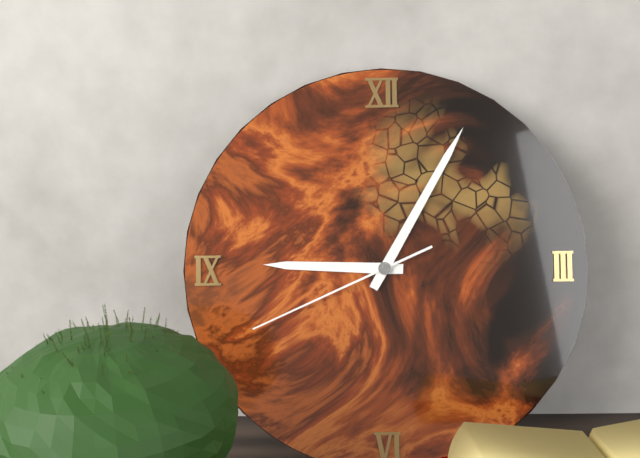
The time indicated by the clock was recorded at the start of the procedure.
9:05:41
